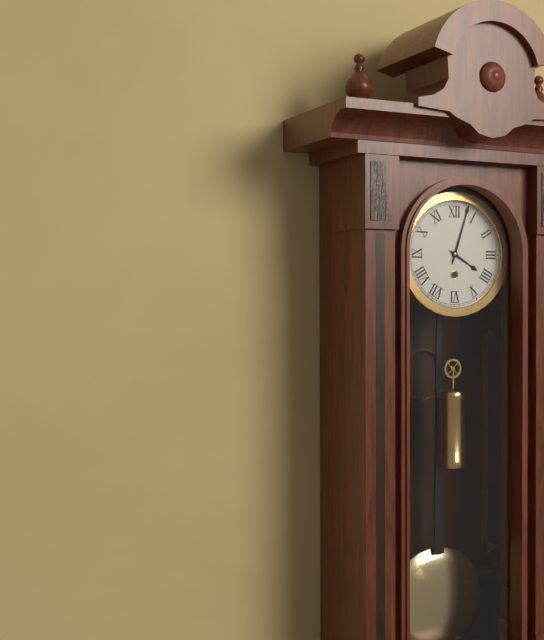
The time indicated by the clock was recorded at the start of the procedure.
4:03
